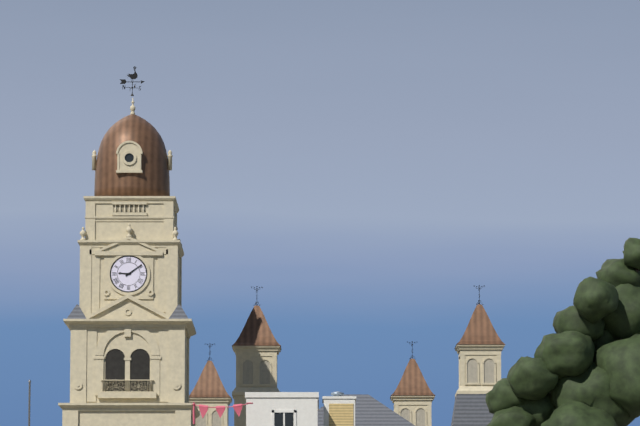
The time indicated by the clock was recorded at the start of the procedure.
9:09
